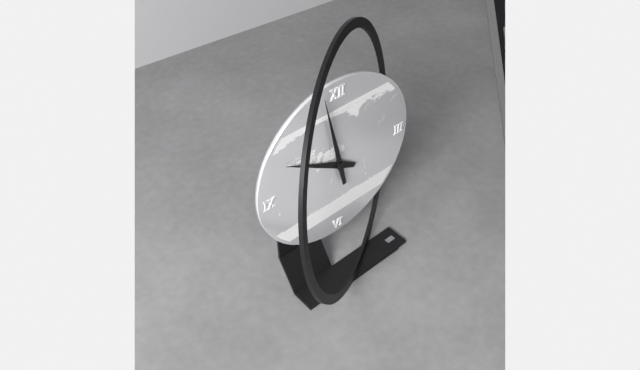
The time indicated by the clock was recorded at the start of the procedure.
9:58
